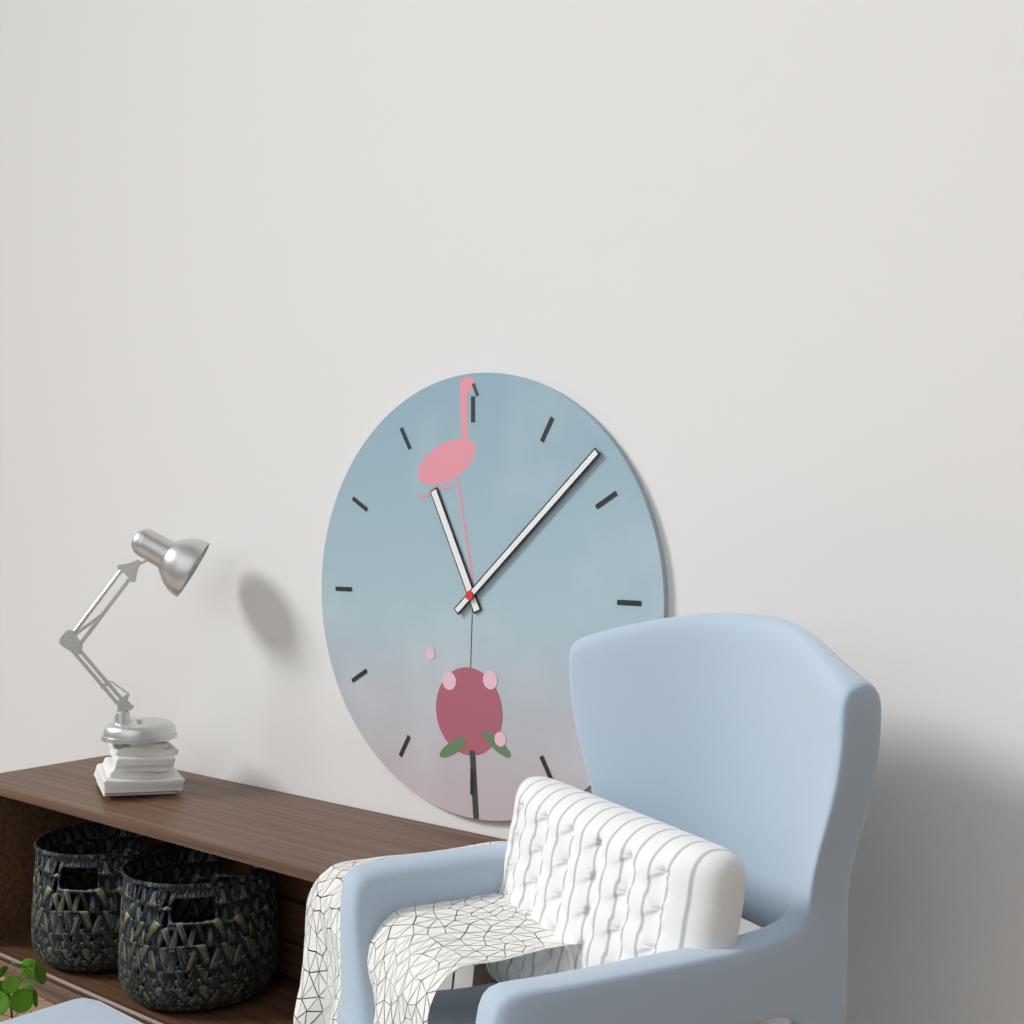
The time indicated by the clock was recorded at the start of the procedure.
11:08
